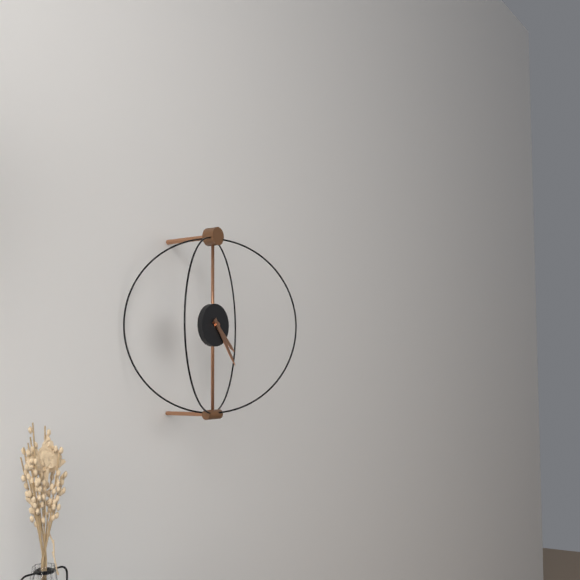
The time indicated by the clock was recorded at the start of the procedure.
4:24
